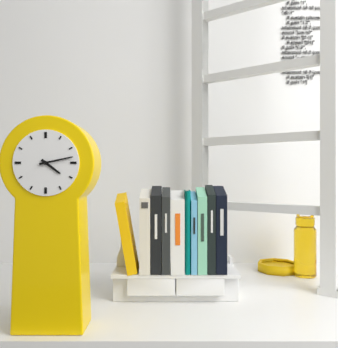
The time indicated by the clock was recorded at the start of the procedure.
4:13
